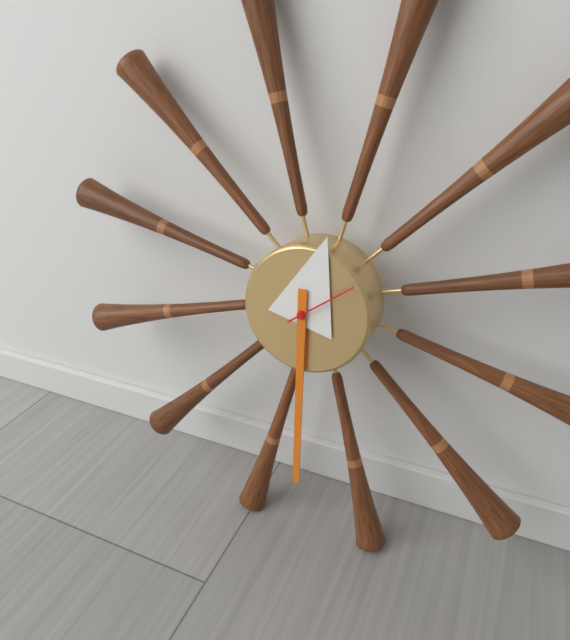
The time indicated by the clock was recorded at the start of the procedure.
12:30
